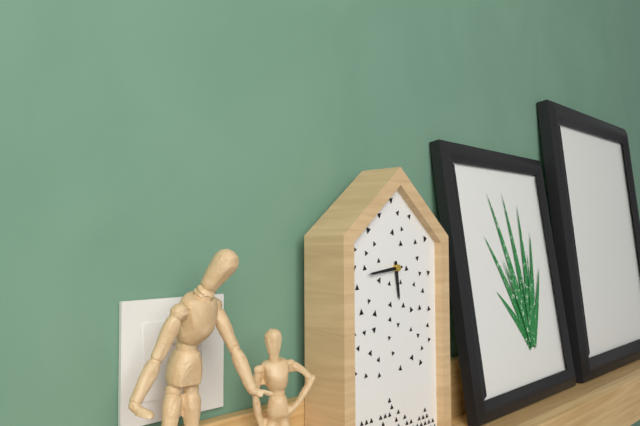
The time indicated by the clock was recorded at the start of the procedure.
5:44
